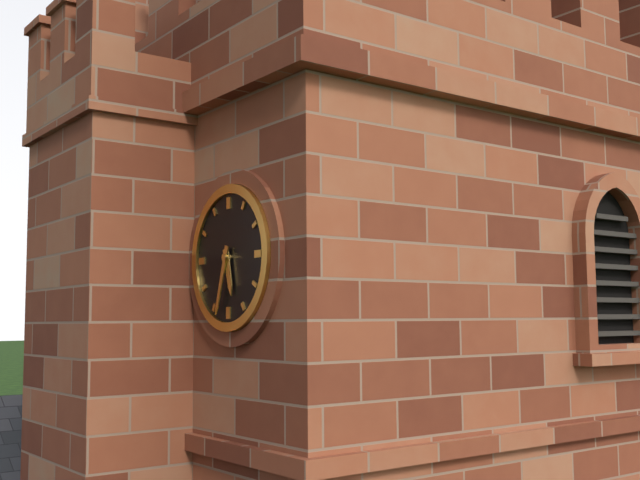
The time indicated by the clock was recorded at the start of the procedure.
5:33
